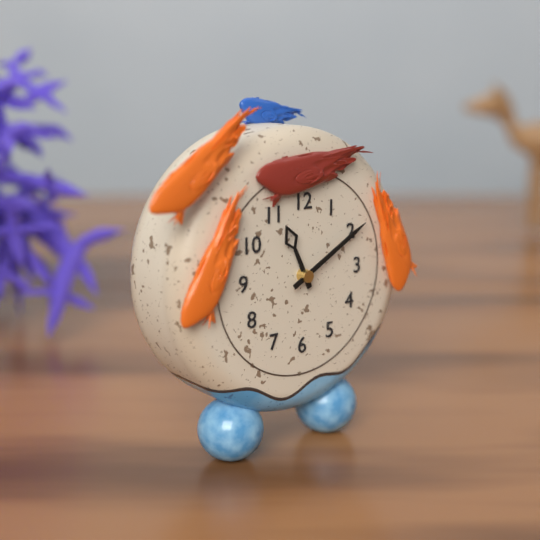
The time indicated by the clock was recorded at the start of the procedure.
11:10
